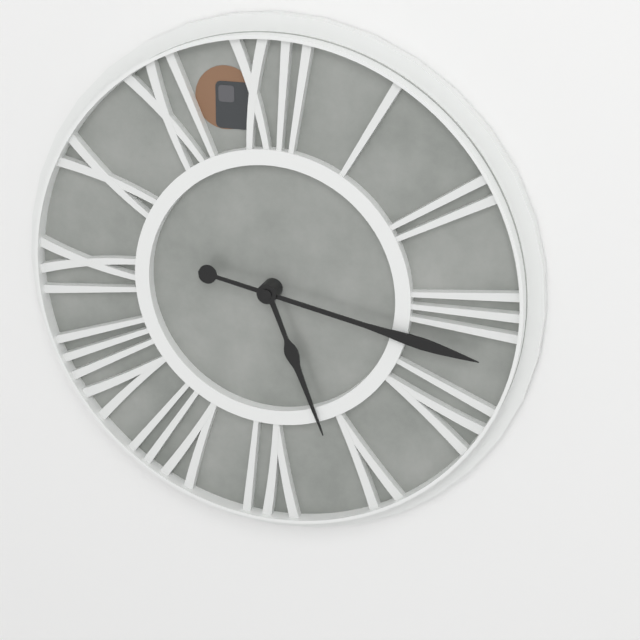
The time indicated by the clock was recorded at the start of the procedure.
5:17
